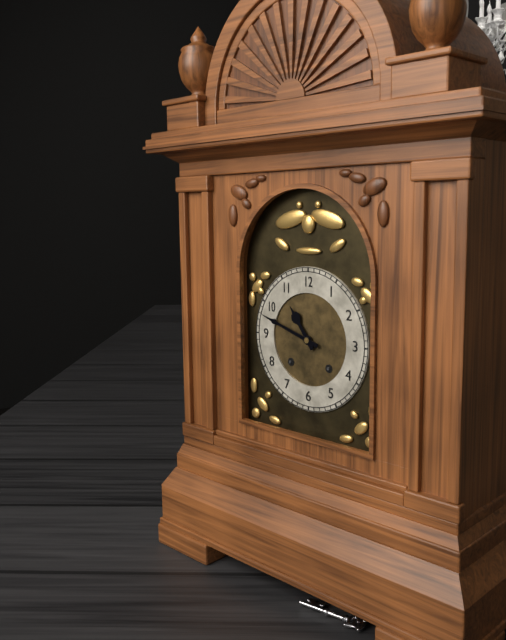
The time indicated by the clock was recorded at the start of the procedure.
10:48
